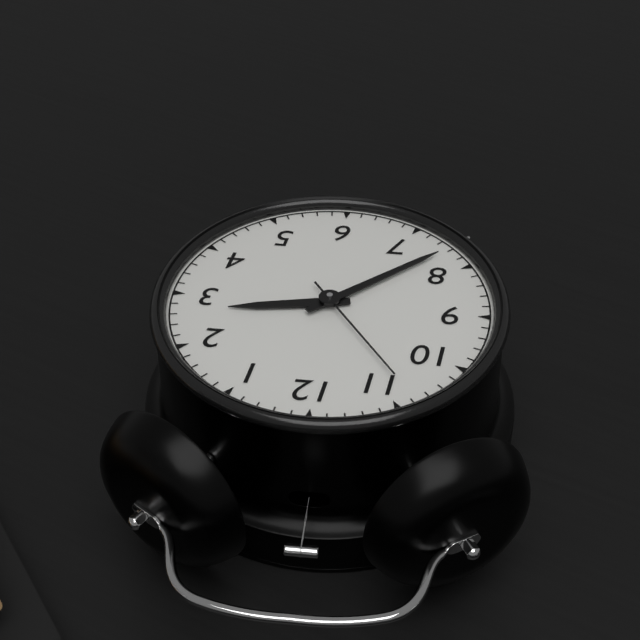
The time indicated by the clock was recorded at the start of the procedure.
2:38:54
